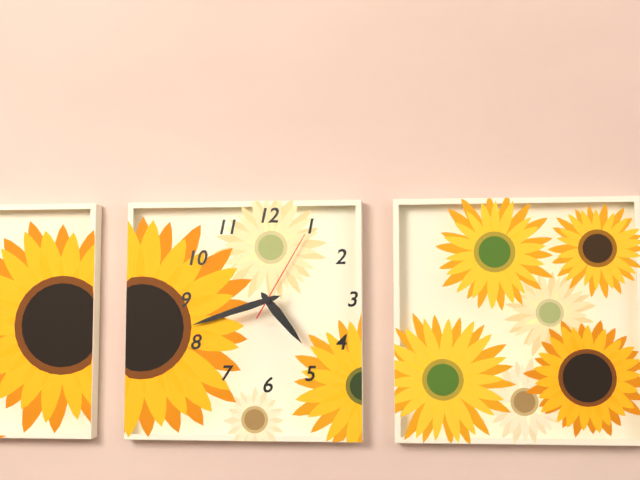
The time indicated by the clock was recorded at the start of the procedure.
4:42:05
